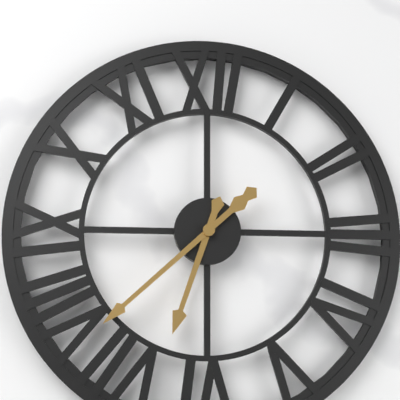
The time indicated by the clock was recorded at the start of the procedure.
6:38
